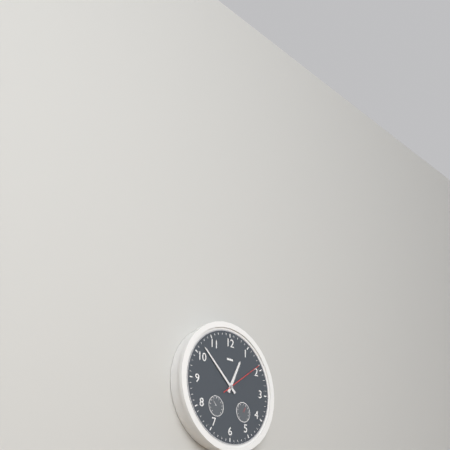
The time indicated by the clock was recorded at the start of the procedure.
12:52
